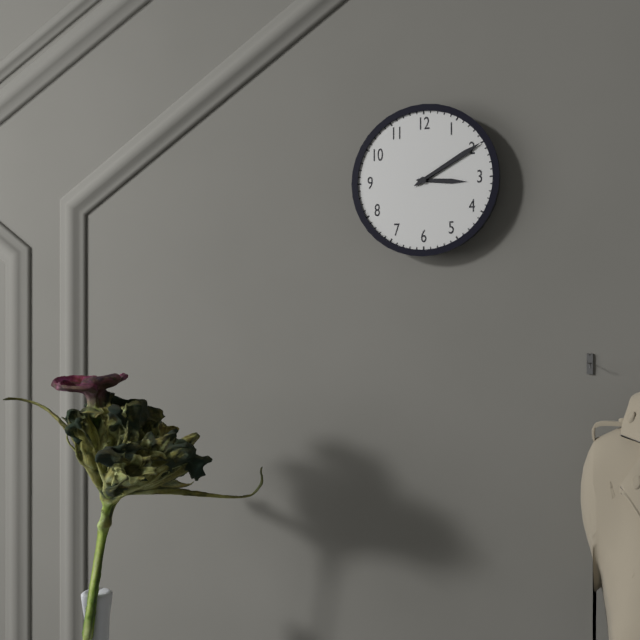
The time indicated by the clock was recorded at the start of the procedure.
3:10
